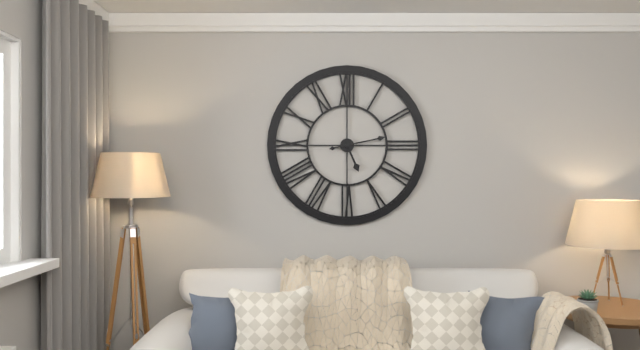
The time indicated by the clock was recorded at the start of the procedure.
5:13
